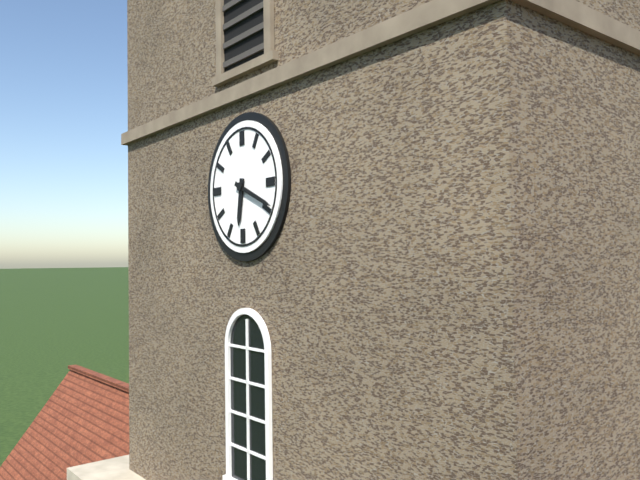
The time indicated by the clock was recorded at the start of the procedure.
6:19
